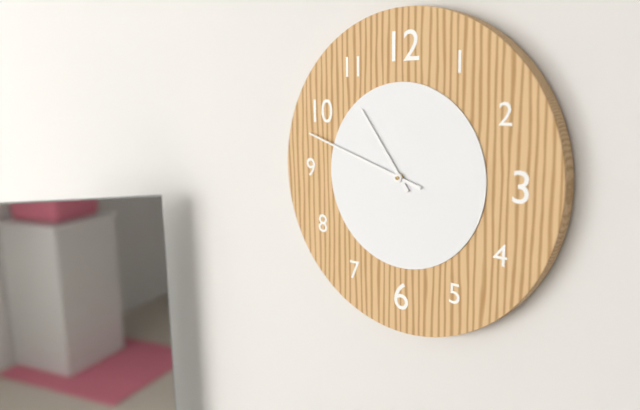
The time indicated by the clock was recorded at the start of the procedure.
10:48
